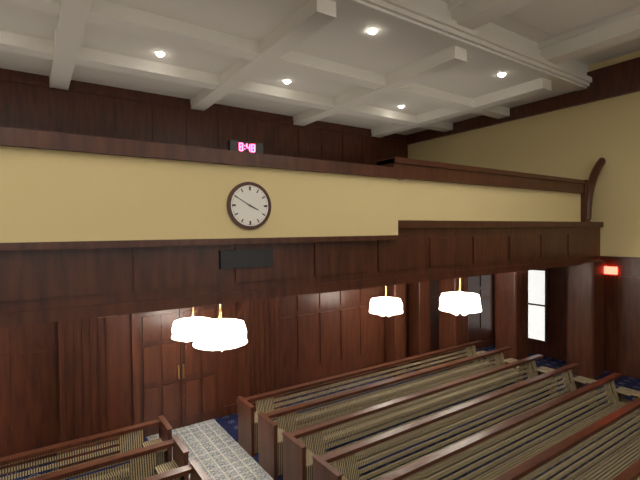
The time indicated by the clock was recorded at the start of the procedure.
3:50
